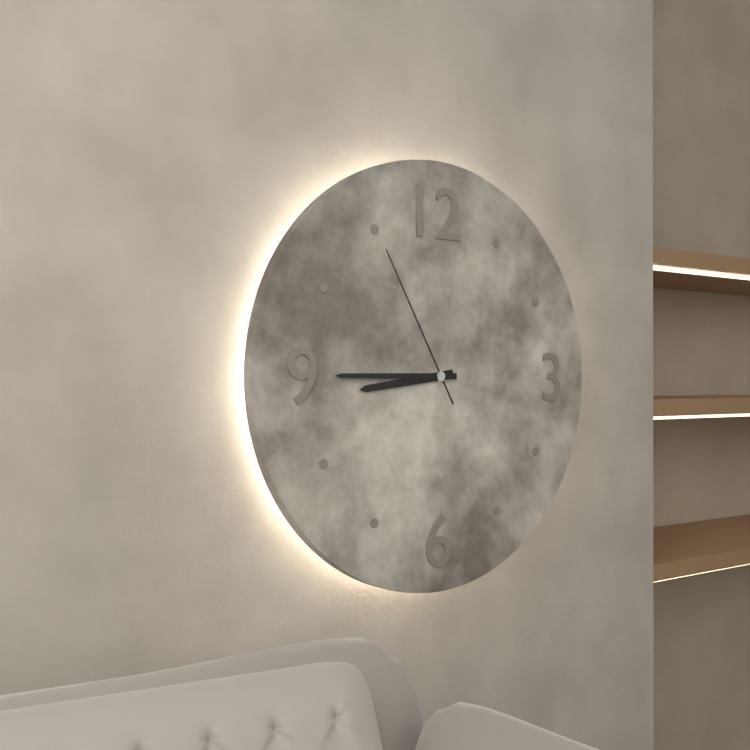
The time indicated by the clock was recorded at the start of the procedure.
8:45:55
